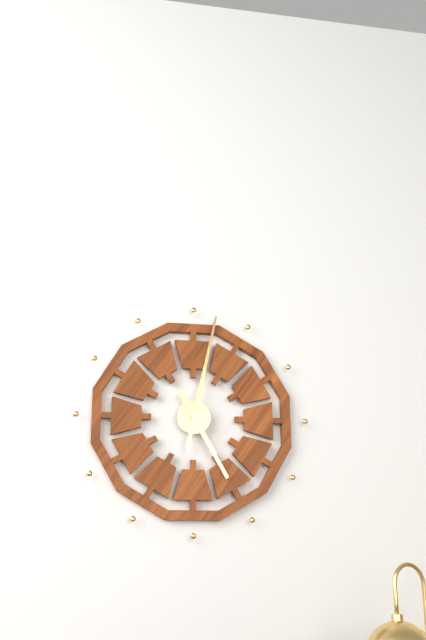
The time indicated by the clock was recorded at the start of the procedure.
5:02
